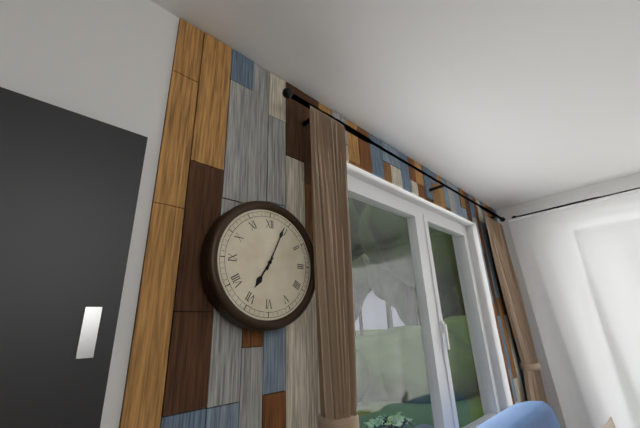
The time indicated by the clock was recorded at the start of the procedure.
7:04
